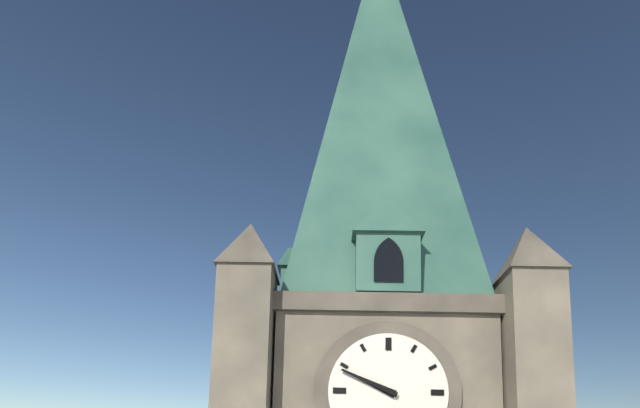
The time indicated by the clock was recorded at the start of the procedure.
9:49
